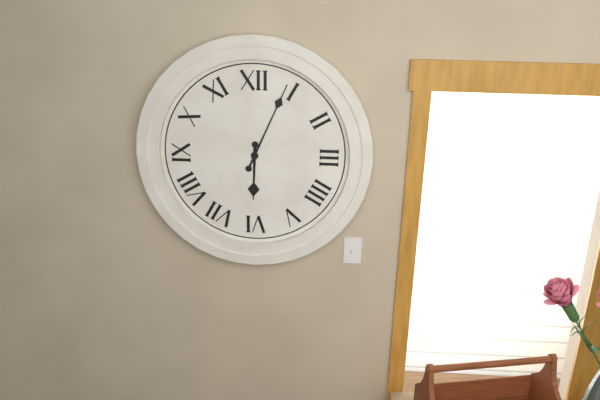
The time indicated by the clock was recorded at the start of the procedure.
6:04
